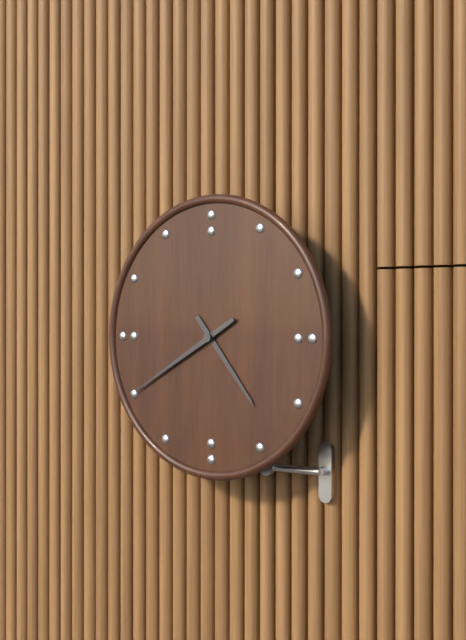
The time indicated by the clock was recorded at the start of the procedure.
4:40
